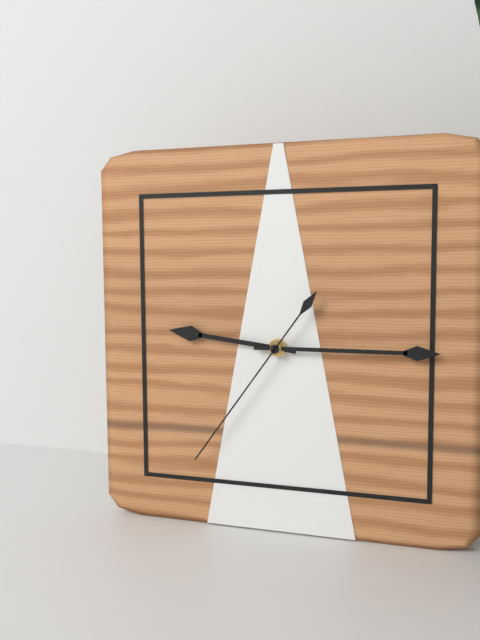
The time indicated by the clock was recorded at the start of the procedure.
9:15:36
